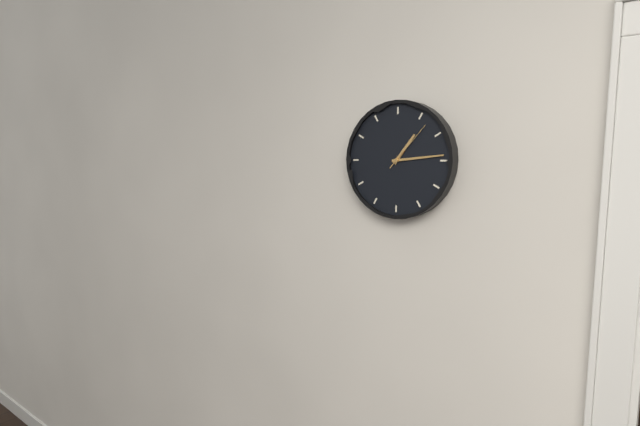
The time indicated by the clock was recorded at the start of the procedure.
1:14:07
